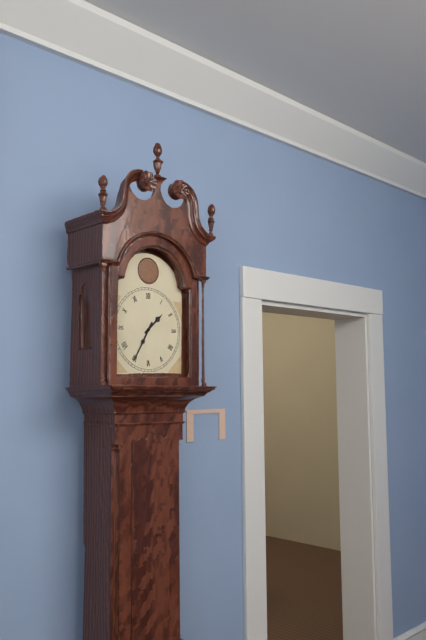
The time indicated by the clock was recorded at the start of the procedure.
1:35
